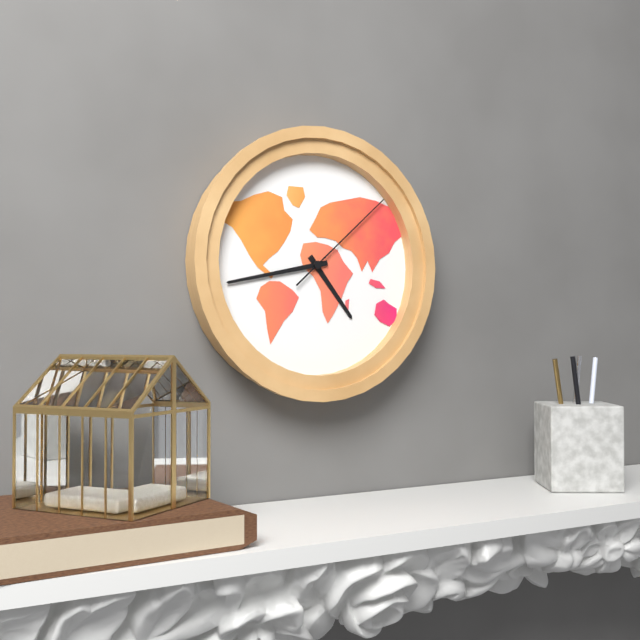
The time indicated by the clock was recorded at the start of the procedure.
4:43:08
